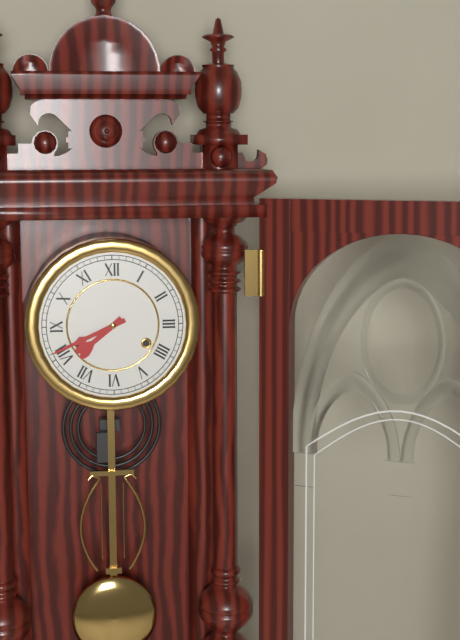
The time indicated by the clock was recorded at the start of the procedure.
7:41
